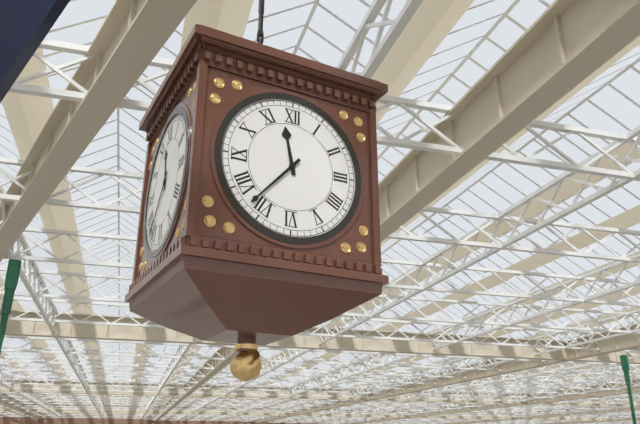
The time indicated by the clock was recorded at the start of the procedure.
11:37
